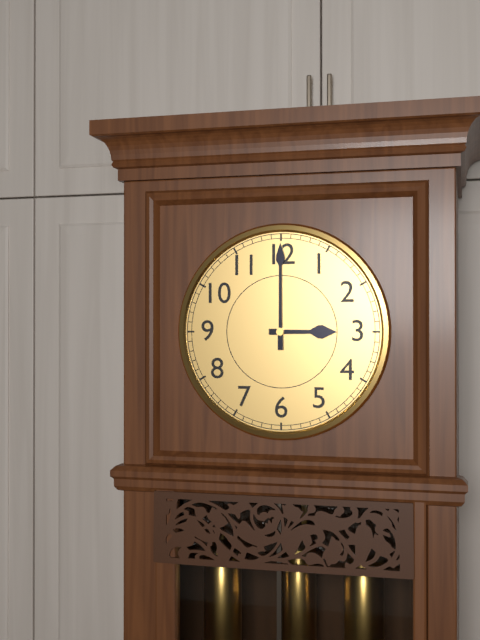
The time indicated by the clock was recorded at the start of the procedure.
3:00
